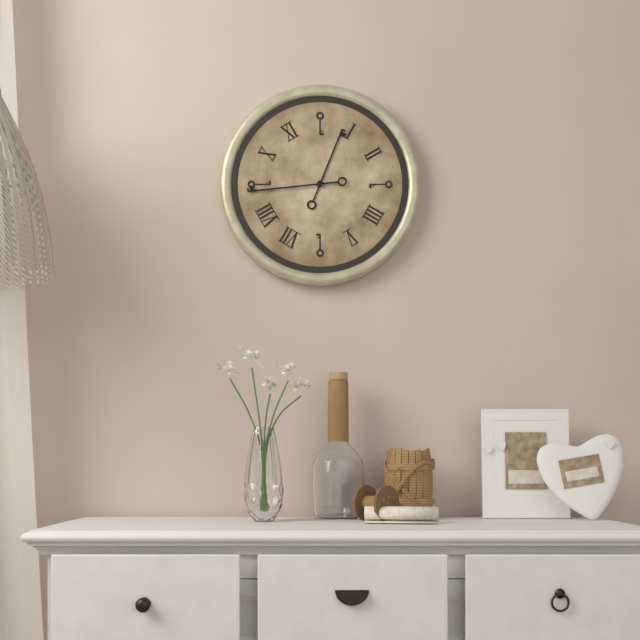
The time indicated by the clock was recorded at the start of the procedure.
12:44
